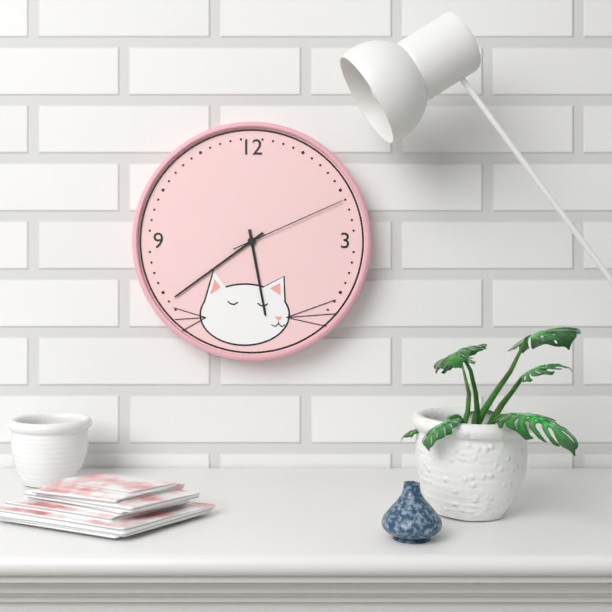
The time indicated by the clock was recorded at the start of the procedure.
5:39:11
